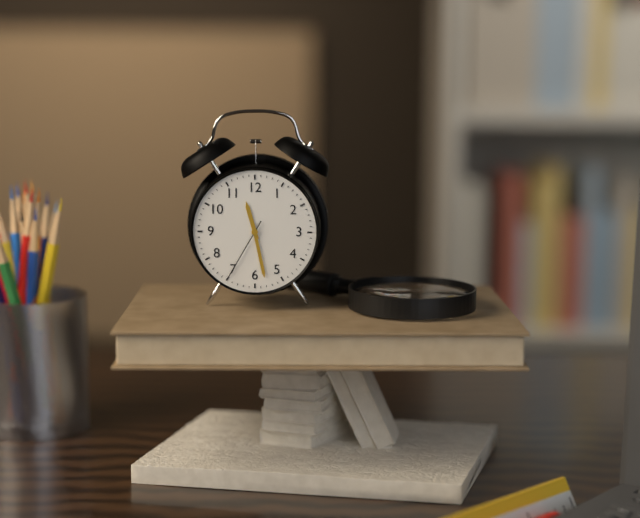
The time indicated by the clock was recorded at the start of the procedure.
11:28:35
